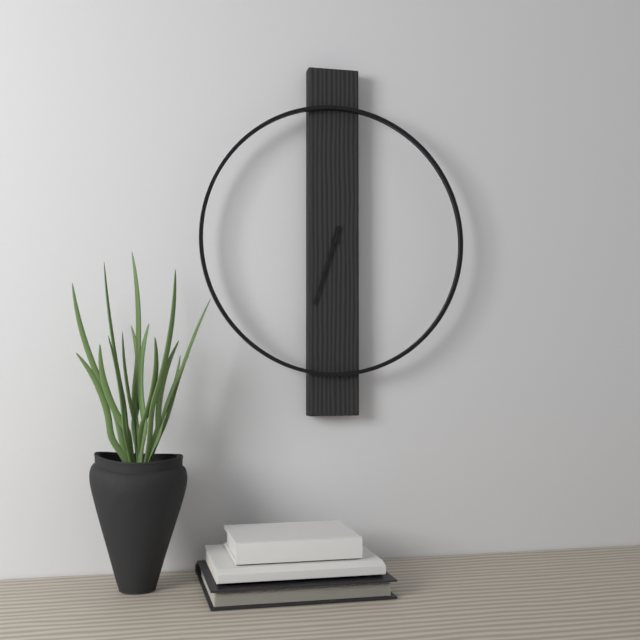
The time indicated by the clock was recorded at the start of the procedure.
6:33
